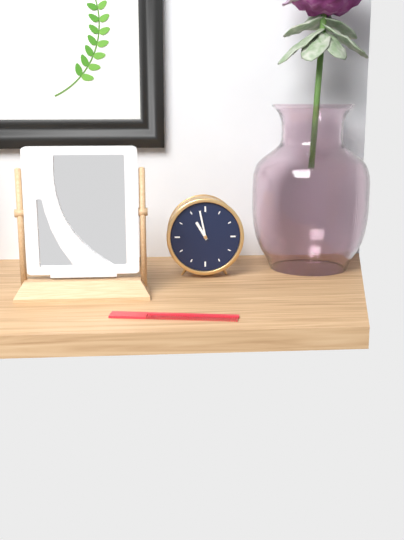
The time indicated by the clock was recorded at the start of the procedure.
10:58
